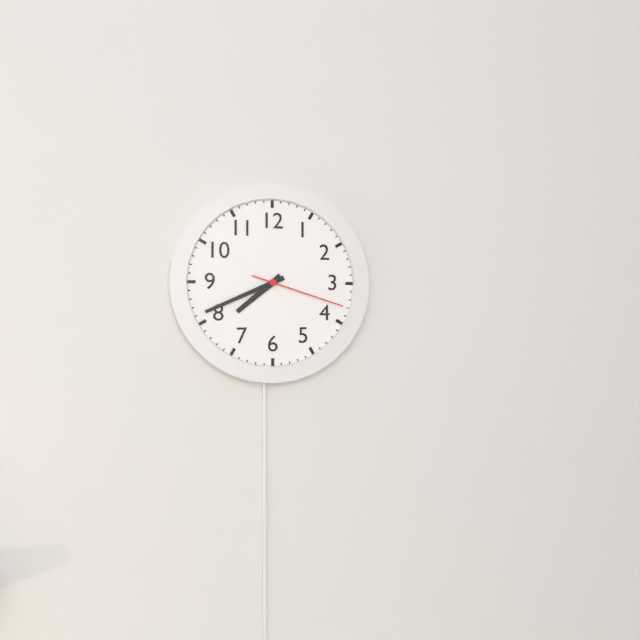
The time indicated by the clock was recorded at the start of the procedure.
7:41:18
